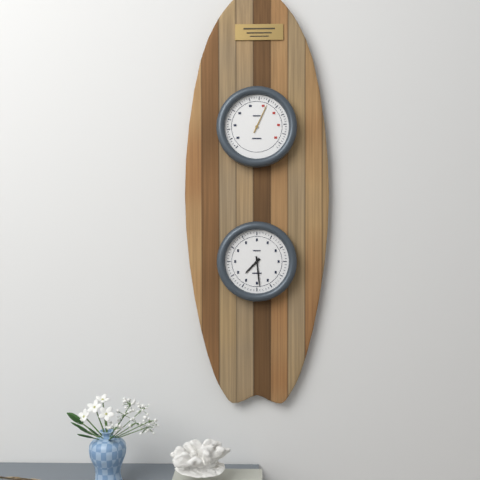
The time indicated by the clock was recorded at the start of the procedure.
7:29
